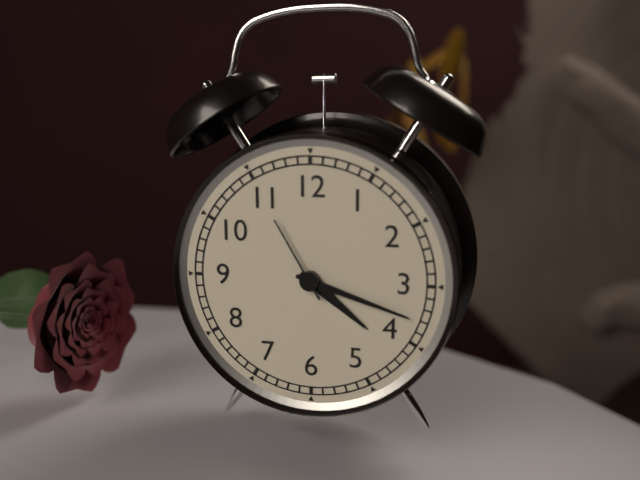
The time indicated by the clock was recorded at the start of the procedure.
4:18:55
